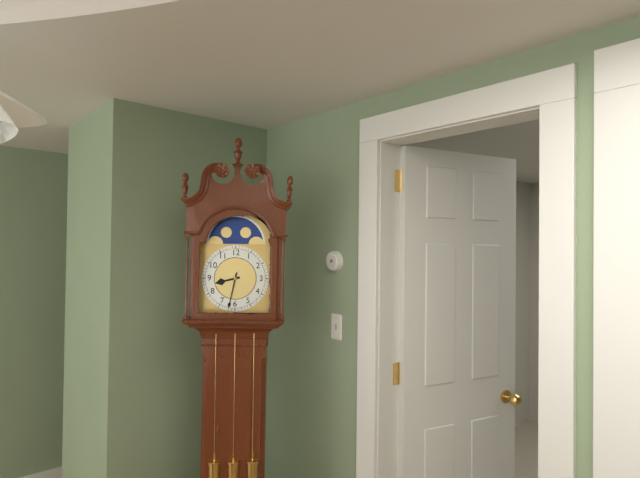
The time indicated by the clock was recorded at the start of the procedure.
8:32
